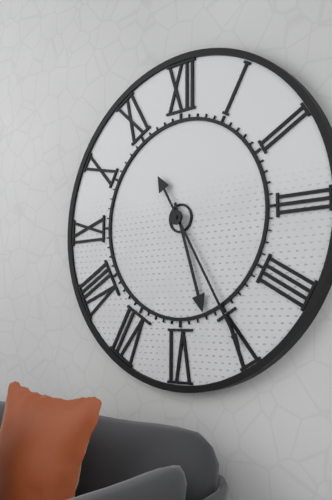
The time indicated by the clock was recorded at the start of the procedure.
5:25
